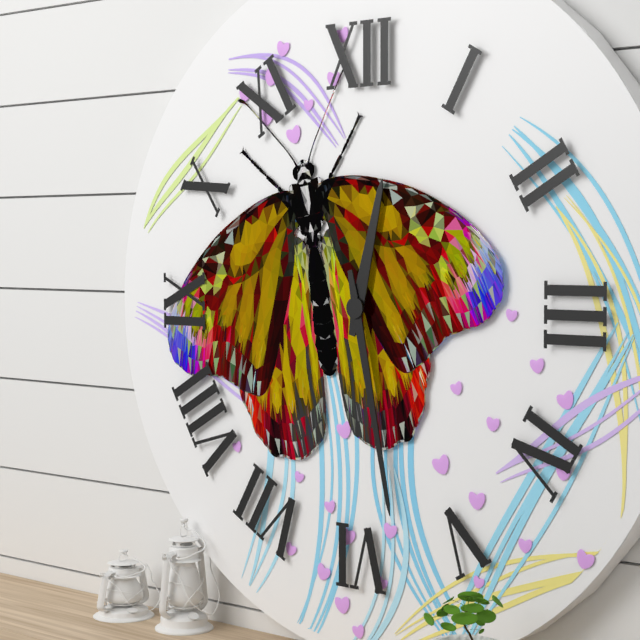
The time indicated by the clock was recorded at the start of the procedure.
12:28
